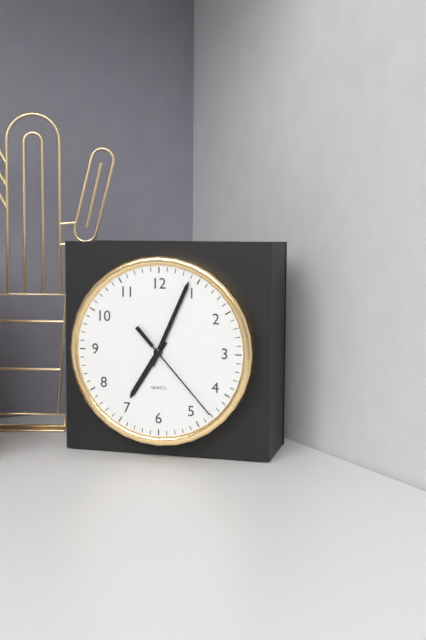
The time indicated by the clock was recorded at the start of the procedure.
7:04:23
